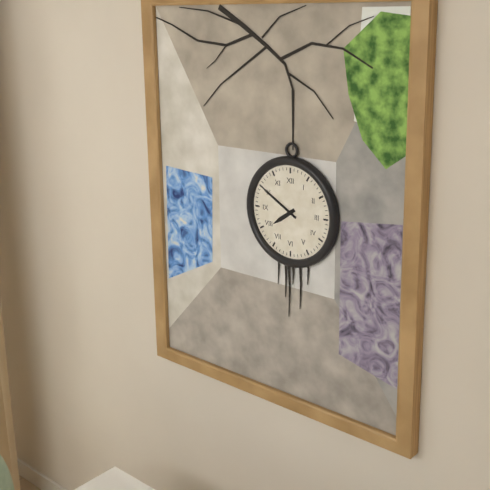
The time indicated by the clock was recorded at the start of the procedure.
7:50
